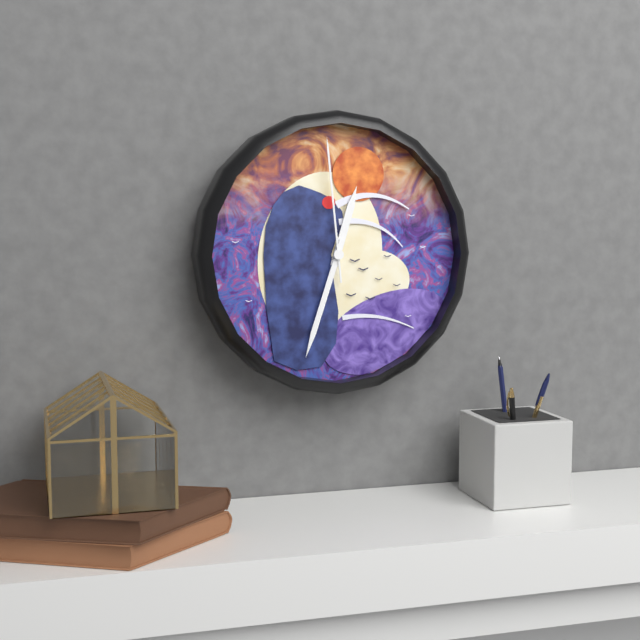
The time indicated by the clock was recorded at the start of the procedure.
12:33:59
